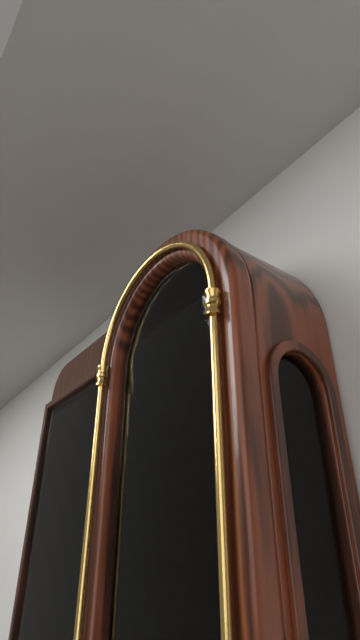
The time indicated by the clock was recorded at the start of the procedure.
1:20
